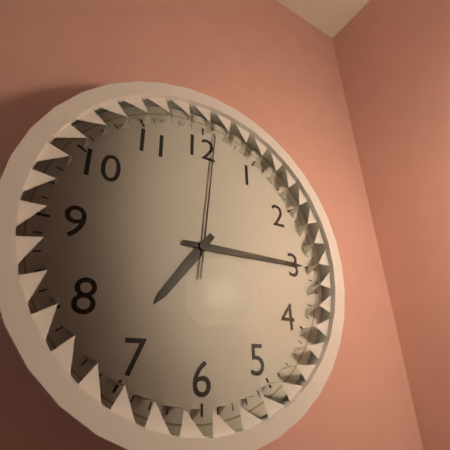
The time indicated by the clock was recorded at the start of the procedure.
7:15:01
